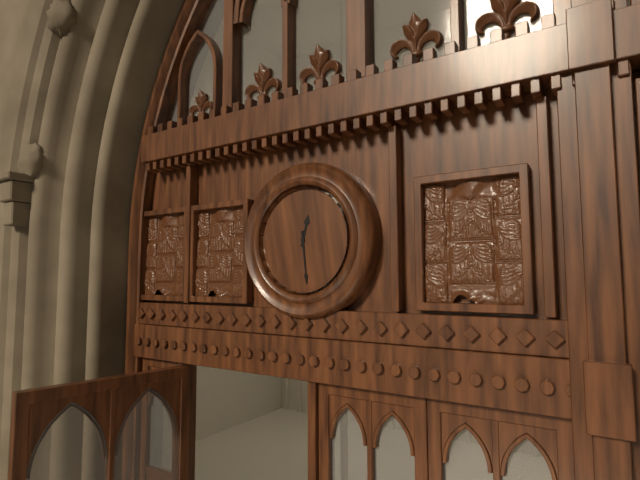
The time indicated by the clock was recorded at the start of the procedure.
12:29
